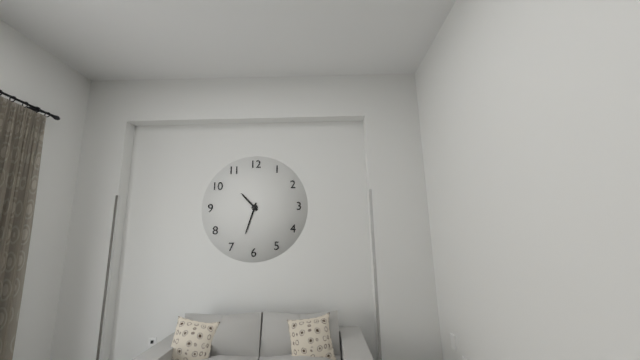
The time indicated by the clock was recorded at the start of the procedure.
10:33
